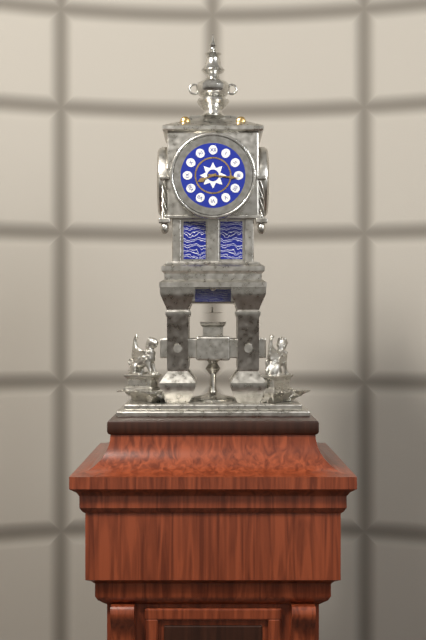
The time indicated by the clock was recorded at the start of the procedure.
8:16
